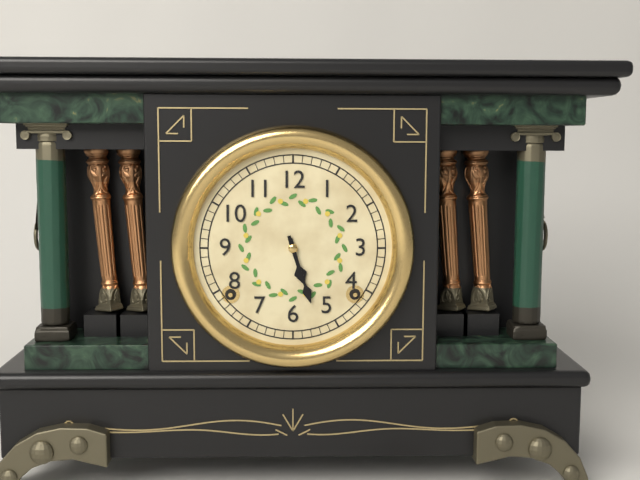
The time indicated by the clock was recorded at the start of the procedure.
5:27
